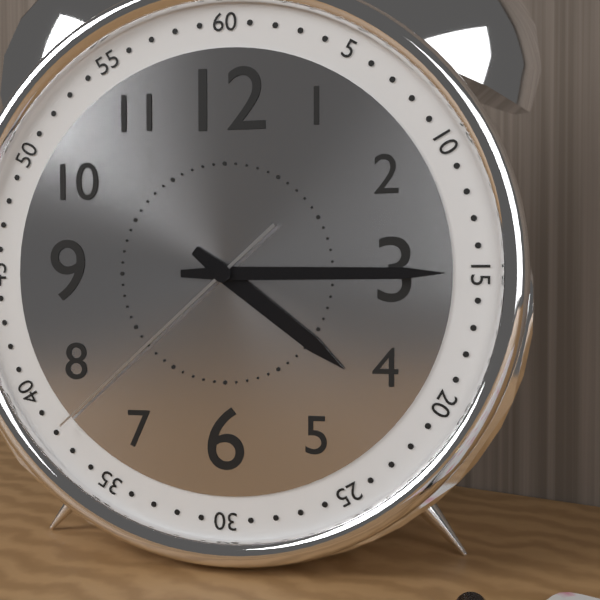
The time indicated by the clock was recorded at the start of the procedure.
4:15:38
